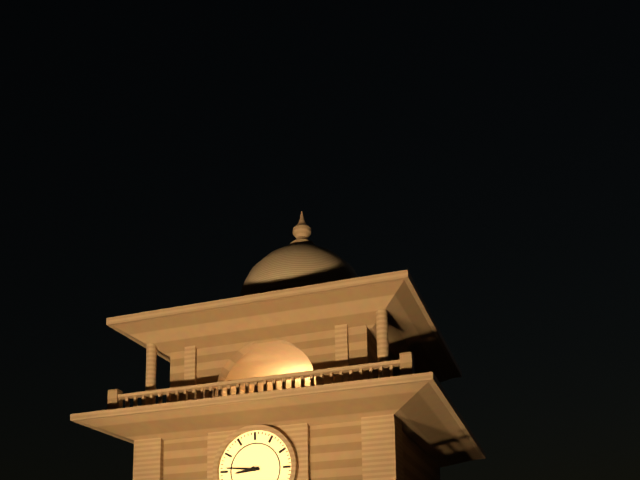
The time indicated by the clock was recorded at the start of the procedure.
8:46
